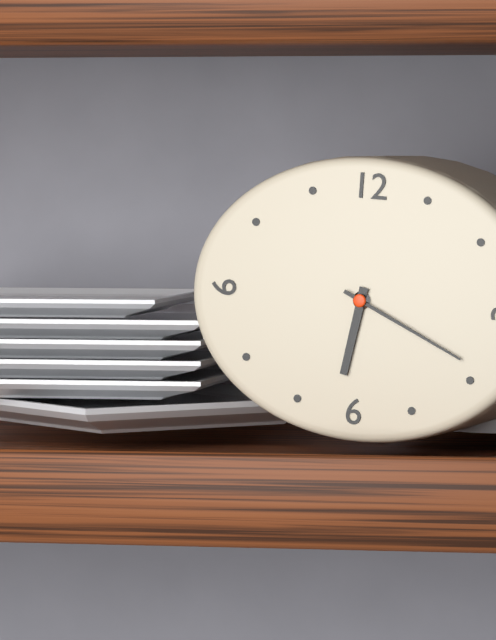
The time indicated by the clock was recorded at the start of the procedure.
6:19
